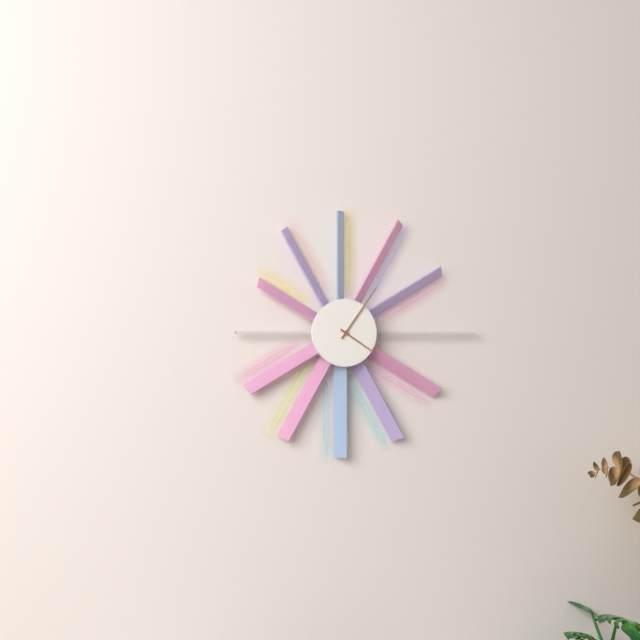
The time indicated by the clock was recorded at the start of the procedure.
4:06
